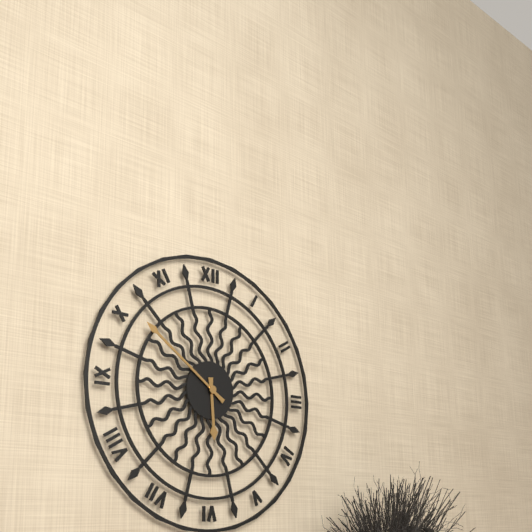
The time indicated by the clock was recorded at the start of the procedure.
5:51
